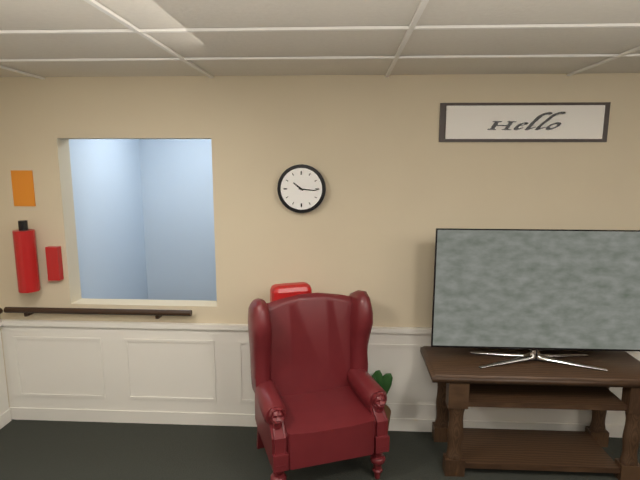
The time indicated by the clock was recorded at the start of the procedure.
10:16
